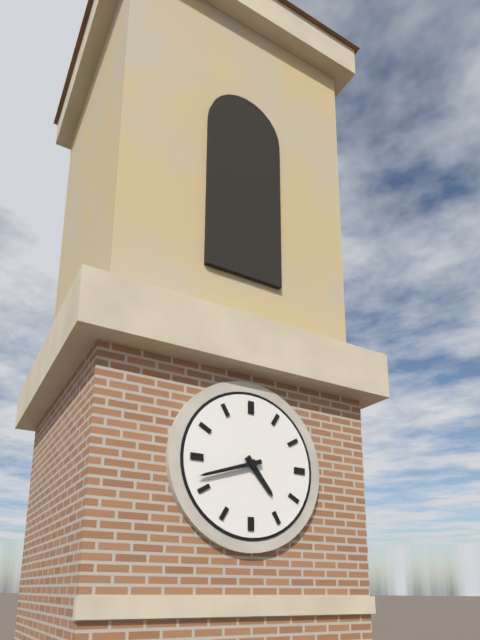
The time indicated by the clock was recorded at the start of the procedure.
4:42
